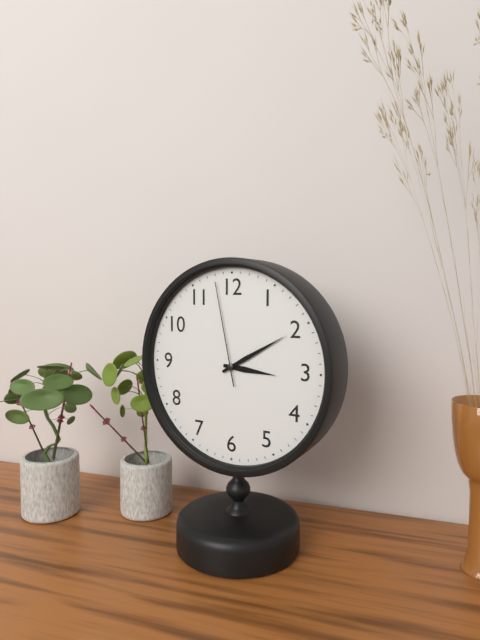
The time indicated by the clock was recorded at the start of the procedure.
3:10:58
